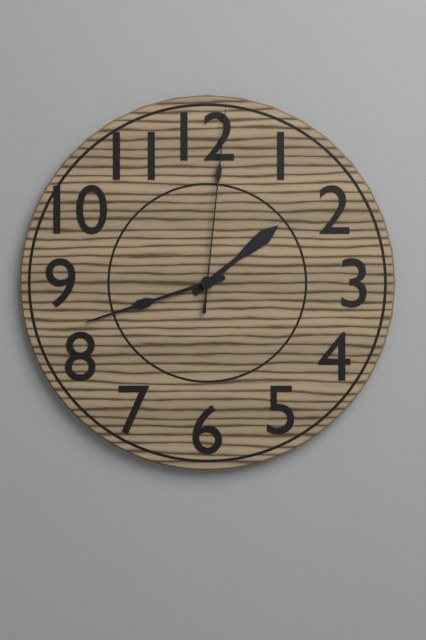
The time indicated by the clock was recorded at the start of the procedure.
1:42:01
